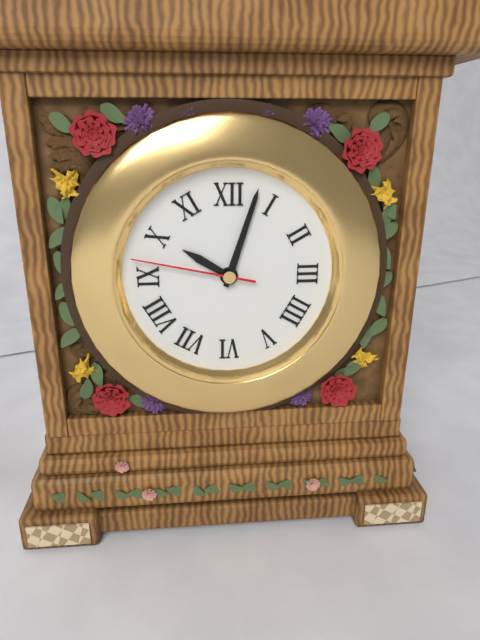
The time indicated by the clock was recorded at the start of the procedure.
10:03:47
